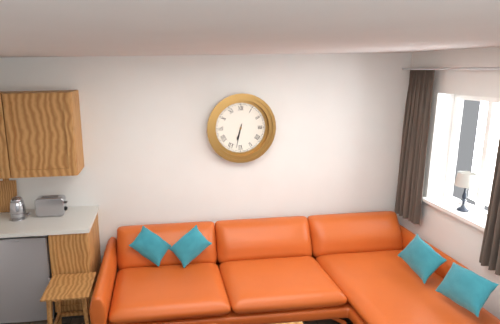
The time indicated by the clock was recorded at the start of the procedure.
6:32
